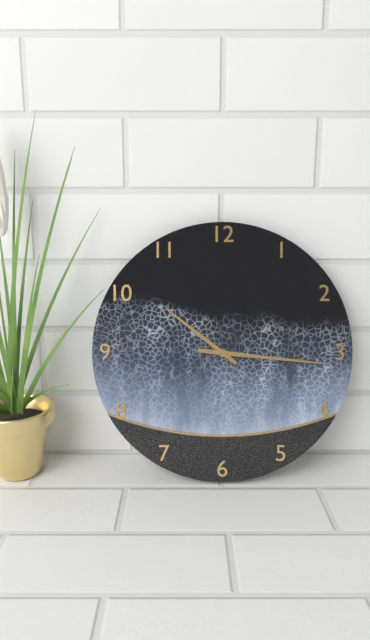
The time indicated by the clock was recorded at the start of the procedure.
10:16
